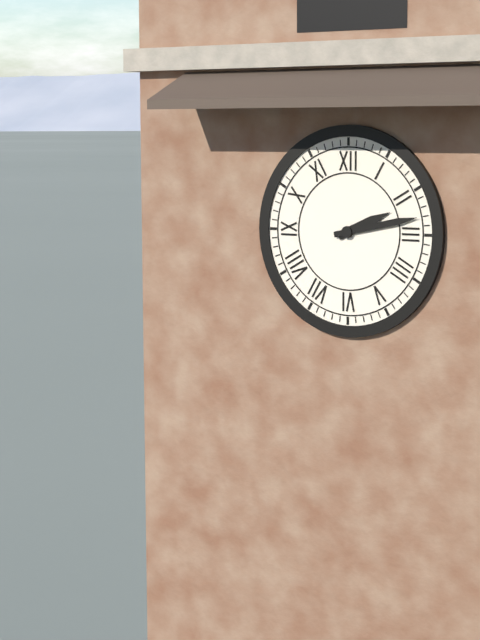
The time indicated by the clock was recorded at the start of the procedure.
2:13
